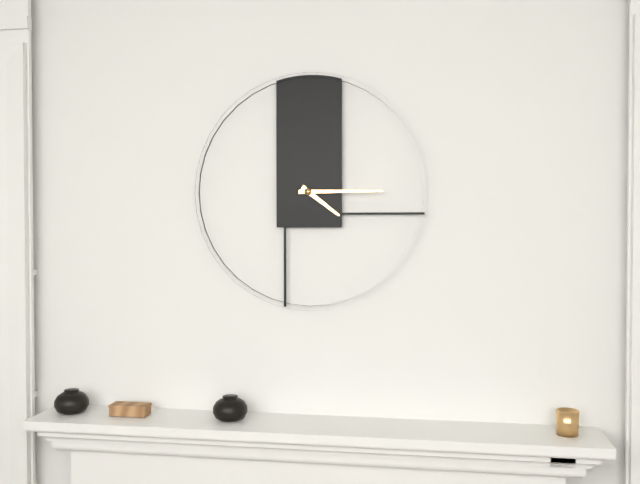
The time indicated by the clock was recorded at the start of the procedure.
4:15
